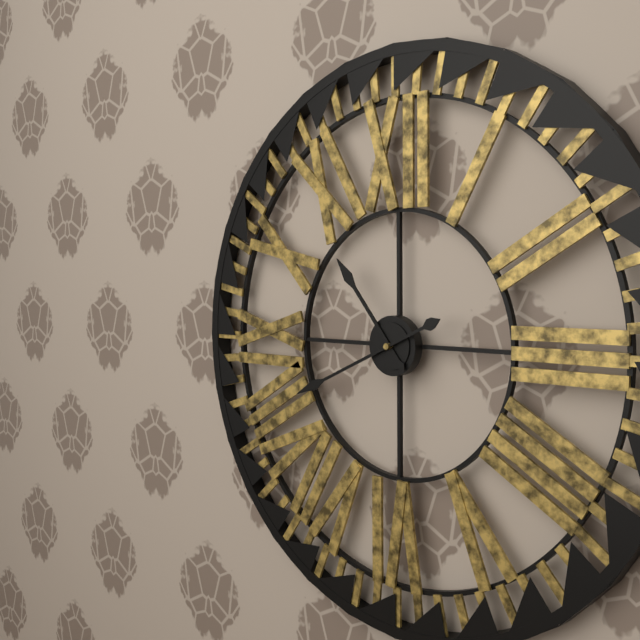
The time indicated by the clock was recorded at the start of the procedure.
10:41
